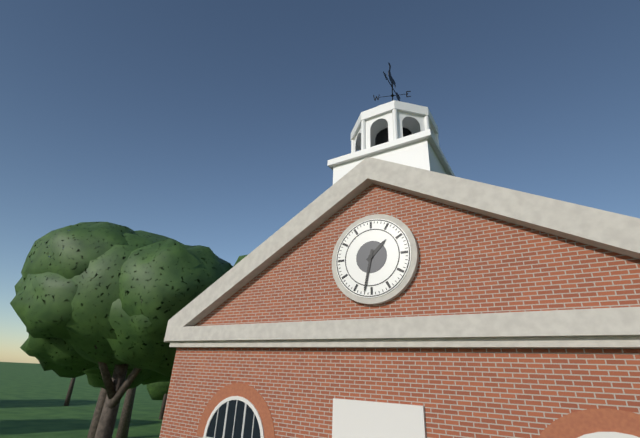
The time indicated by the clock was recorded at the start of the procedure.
1:32
